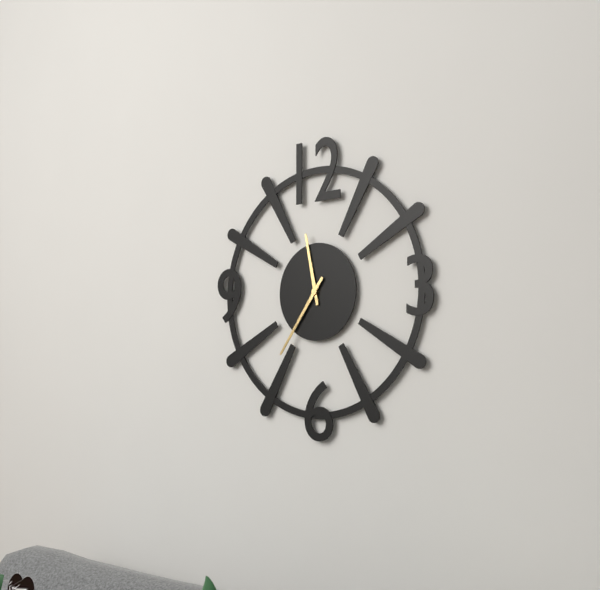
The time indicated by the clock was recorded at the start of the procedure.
11:36
